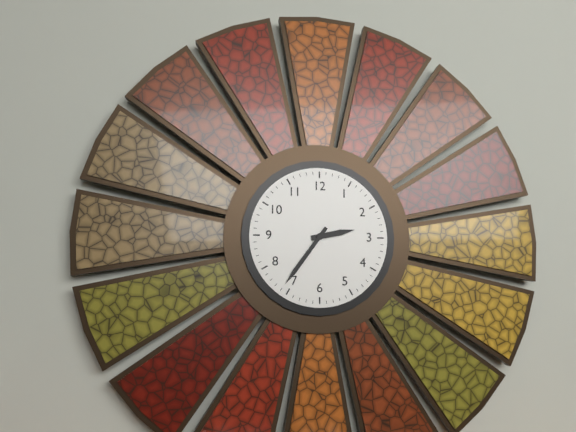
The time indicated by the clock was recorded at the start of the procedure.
2:36
